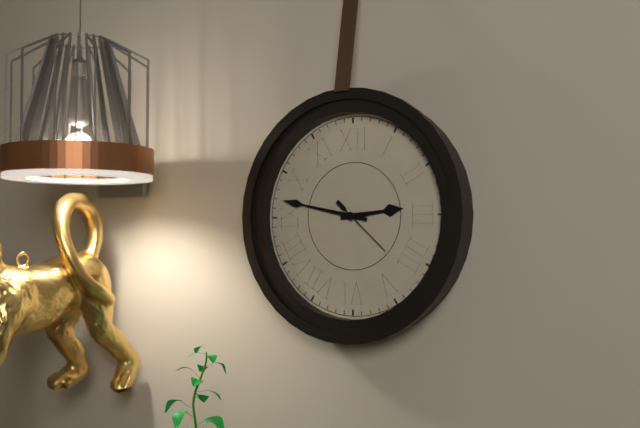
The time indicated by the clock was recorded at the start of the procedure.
2:47:22
